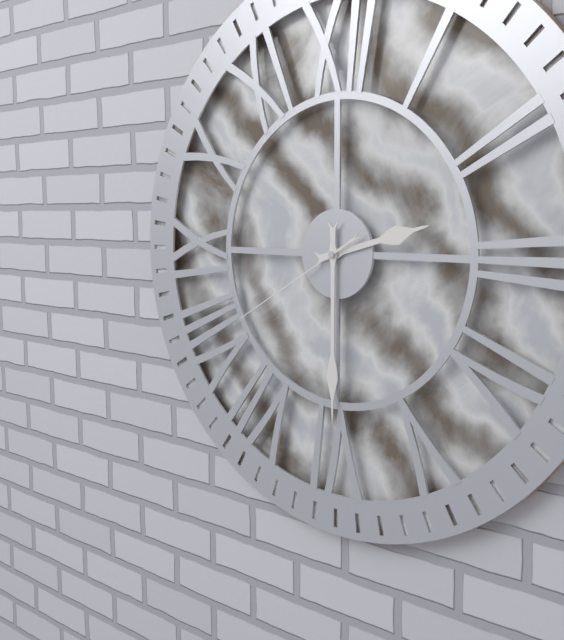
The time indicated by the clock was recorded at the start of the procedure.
2:30:40
